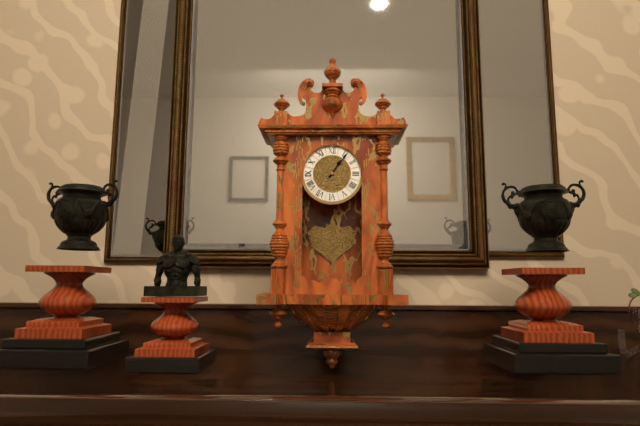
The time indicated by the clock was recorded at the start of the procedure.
1:06
